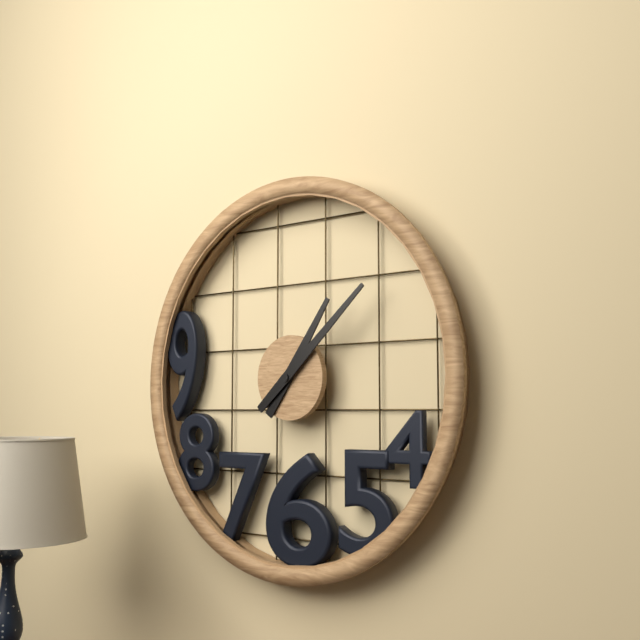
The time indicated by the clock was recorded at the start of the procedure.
1:08
